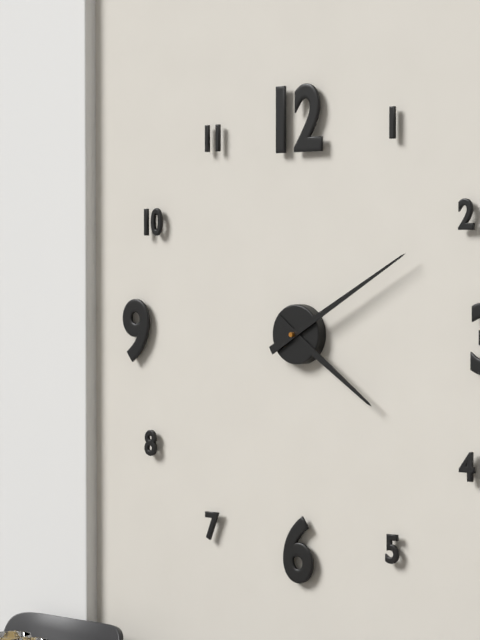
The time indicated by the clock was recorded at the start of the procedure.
4:10
